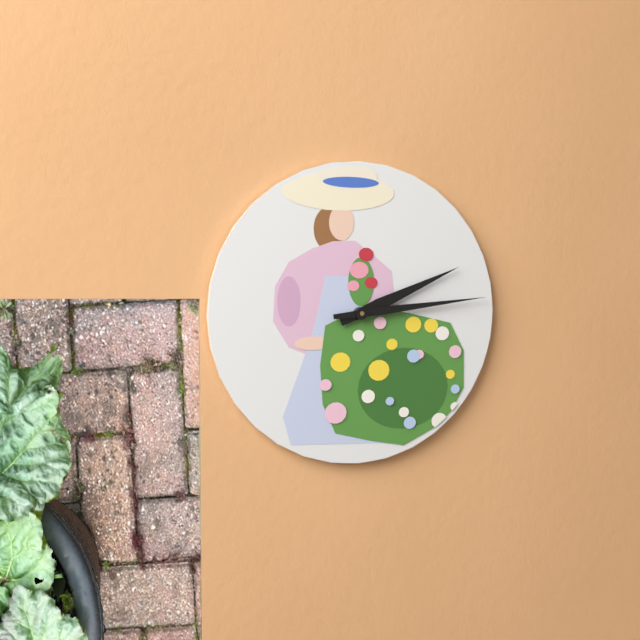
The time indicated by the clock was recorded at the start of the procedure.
2:14
